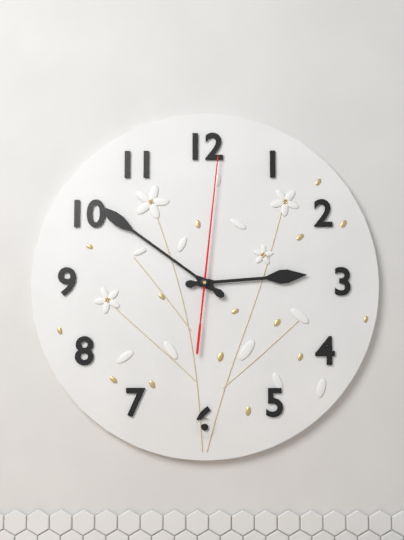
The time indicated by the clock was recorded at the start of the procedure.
2:51:01
